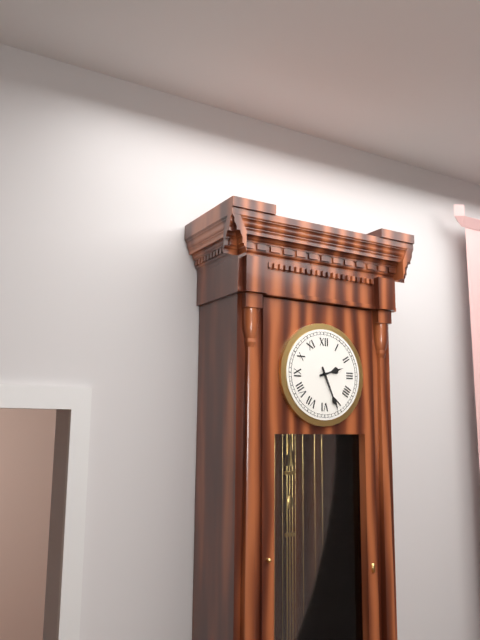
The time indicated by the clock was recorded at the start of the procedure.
2:26
